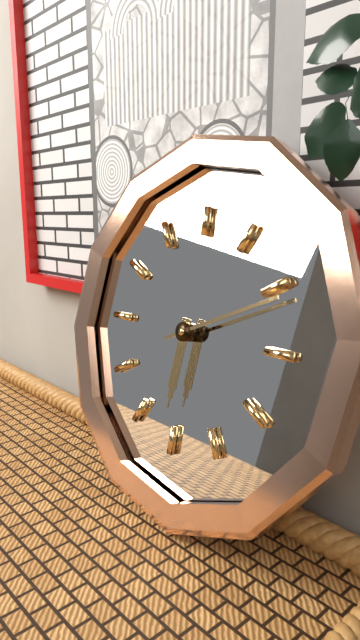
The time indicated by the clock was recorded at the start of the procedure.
6:11
